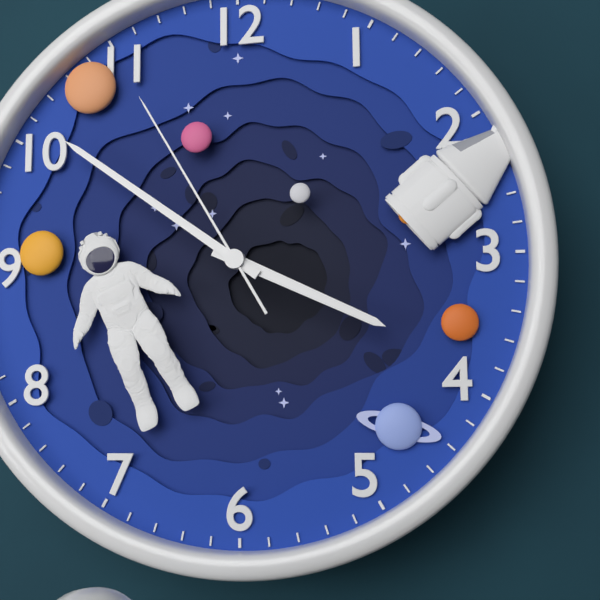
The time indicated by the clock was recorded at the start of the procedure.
3:51:55
